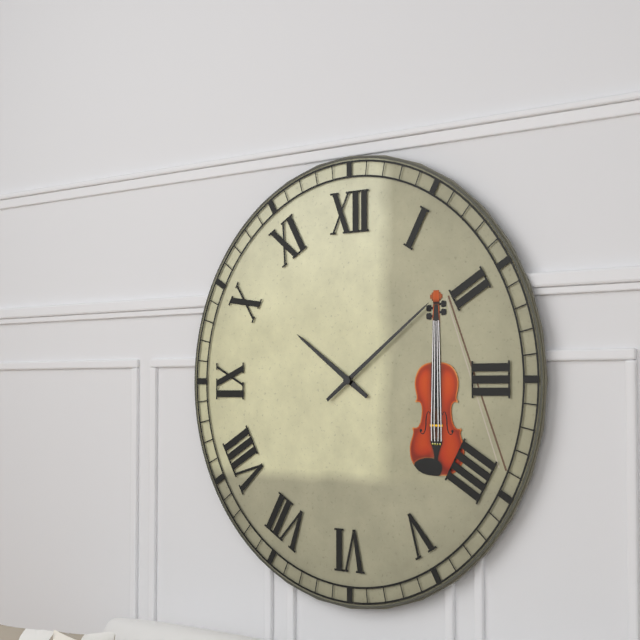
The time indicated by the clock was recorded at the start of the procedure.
10:09
